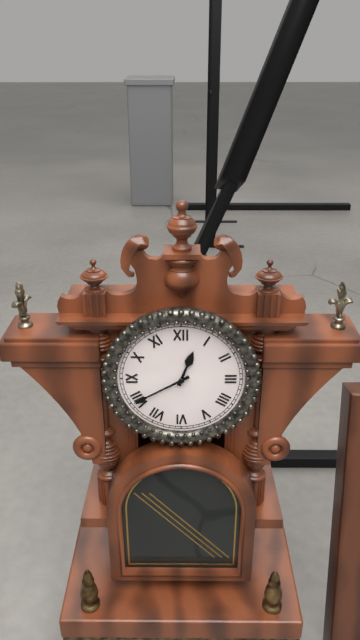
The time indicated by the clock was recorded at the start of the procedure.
12:40
